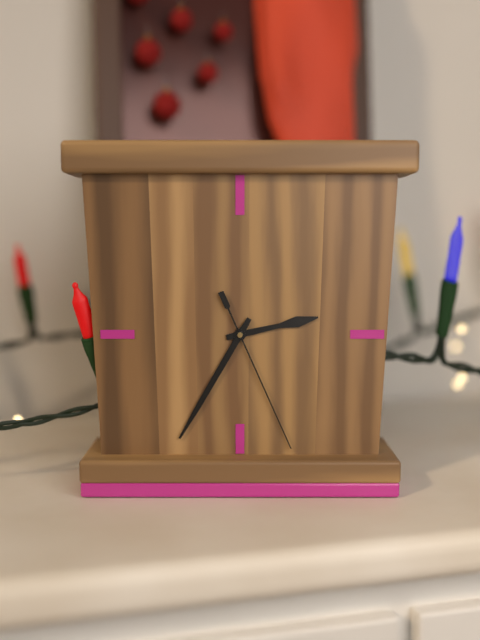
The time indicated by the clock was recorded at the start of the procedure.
2:35:26
